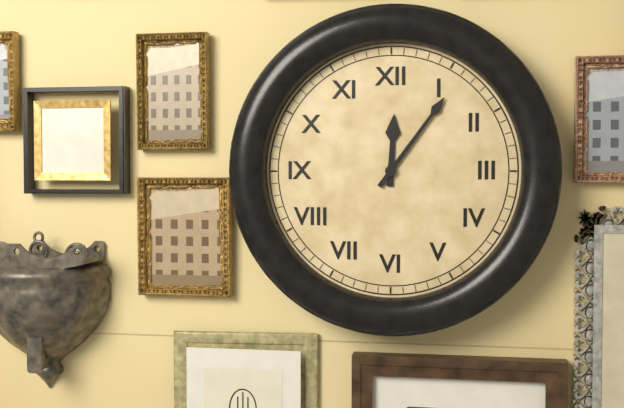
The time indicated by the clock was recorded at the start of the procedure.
12:06
